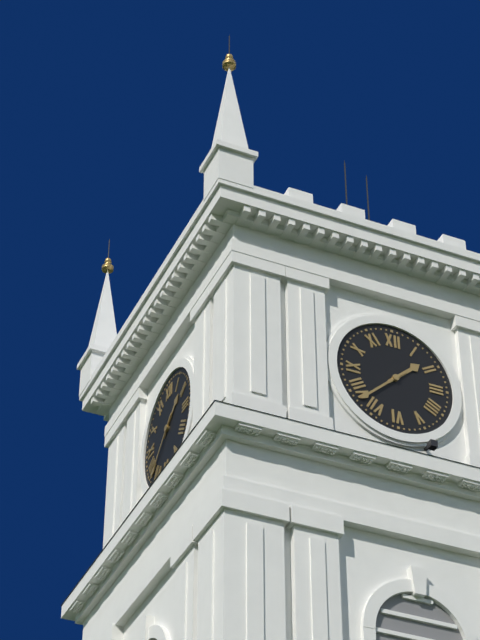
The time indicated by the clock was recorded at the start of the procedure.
1:38
